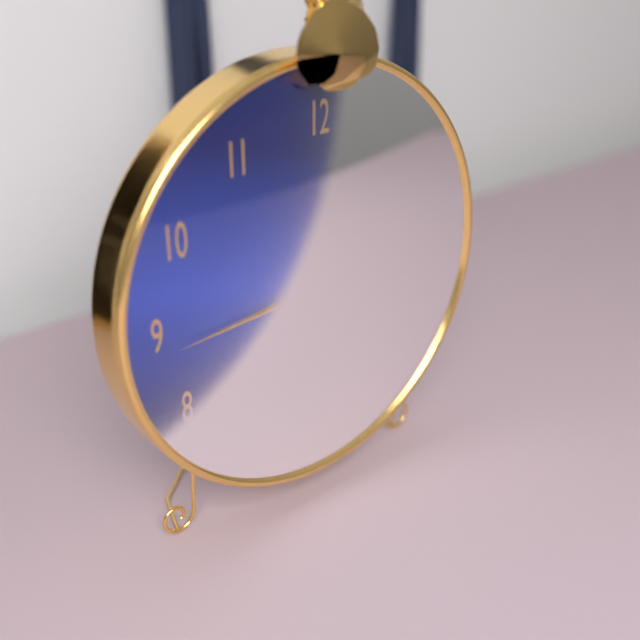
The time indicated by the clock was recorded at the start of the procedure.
7:44:40
